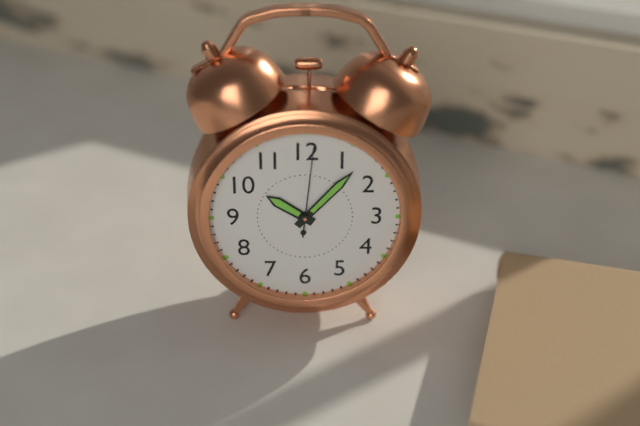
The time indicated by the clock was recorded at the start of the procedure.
10:07:01
